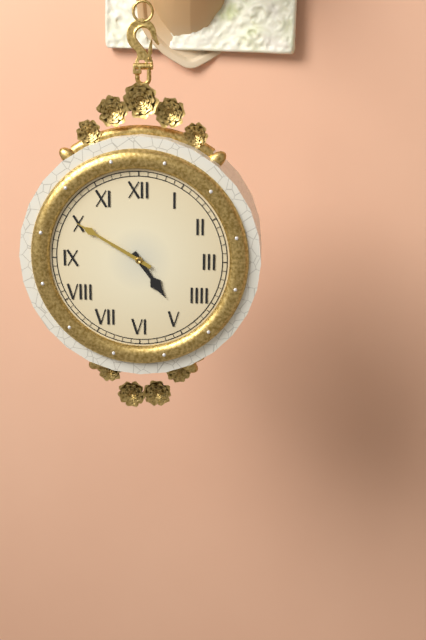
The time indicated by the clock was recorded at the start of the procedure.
4:50
